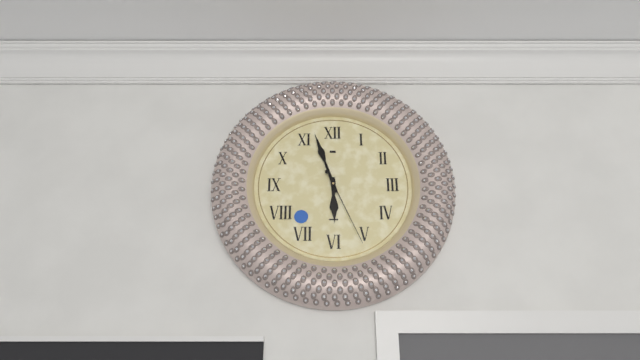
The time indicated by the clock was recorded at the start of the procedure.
5:57:26
